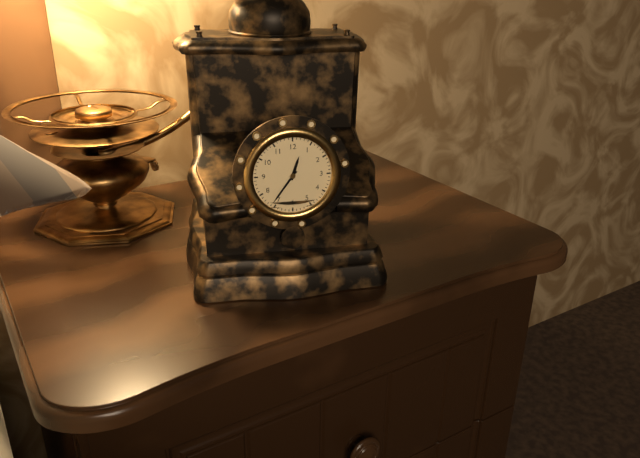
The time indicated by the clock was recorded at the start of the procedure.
12:36
